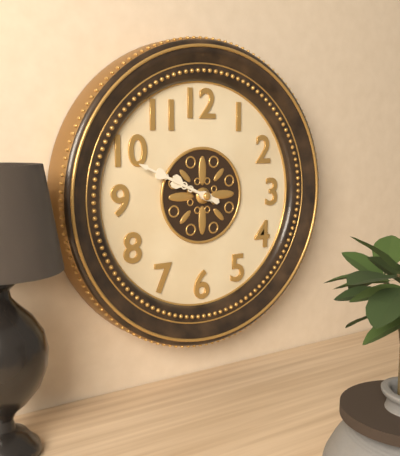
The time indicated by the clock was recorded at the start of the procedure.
9:49
